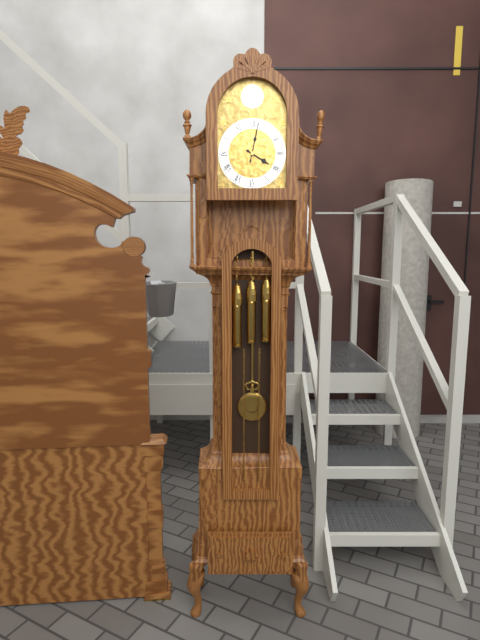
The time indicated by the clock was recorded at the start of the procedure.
4:02
